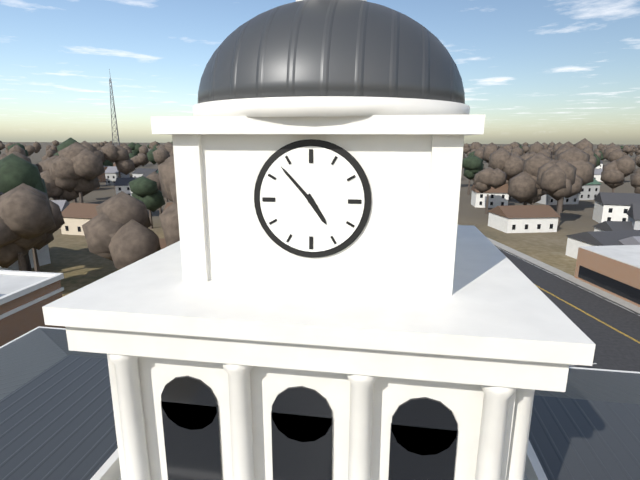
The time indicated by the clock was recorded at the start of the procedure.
4:53
